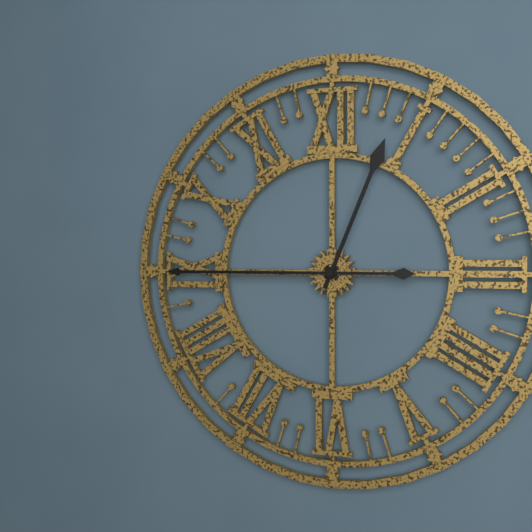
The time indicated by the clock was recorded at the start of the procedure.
12:45
